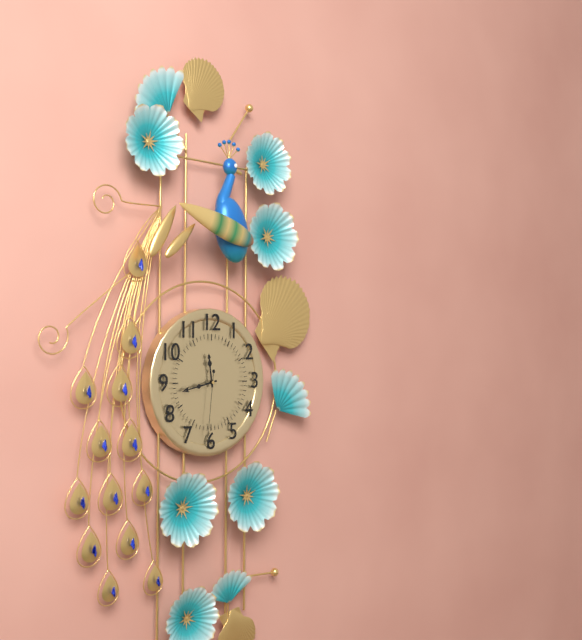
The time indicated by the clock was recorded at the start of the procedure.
11:43:31
